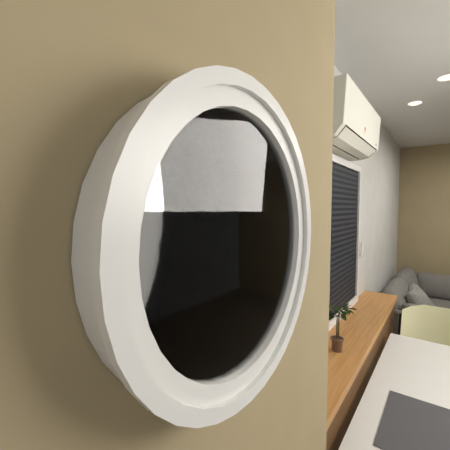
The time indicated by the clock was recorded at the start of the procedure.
6:08
